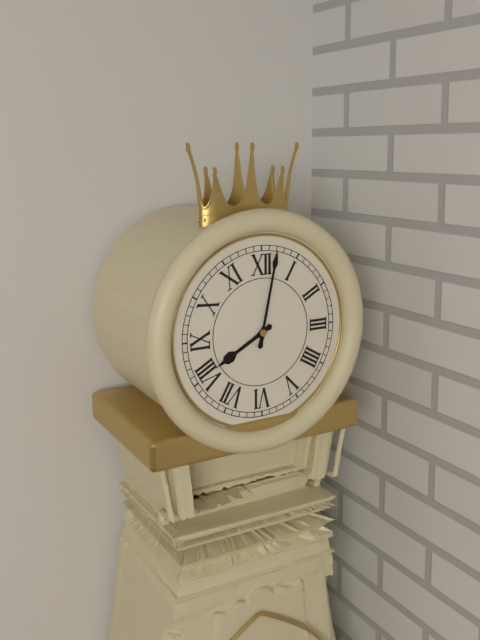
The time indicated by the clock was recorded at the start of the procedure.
8:02
